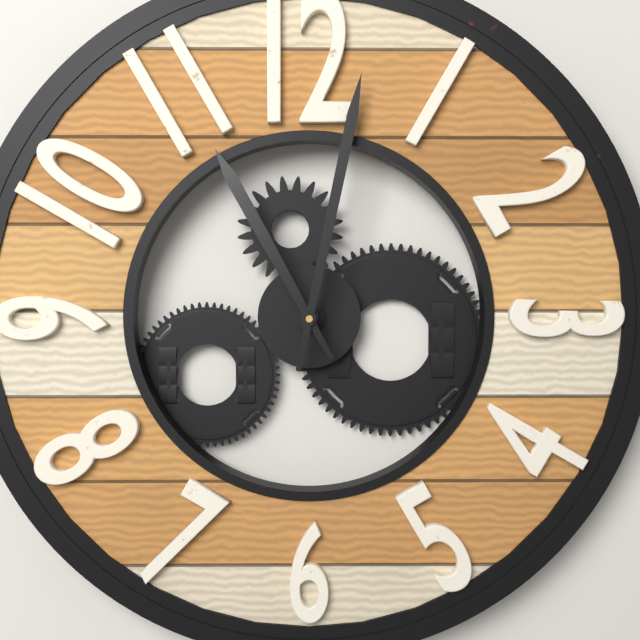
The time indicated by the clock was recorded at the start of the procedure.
11:02
